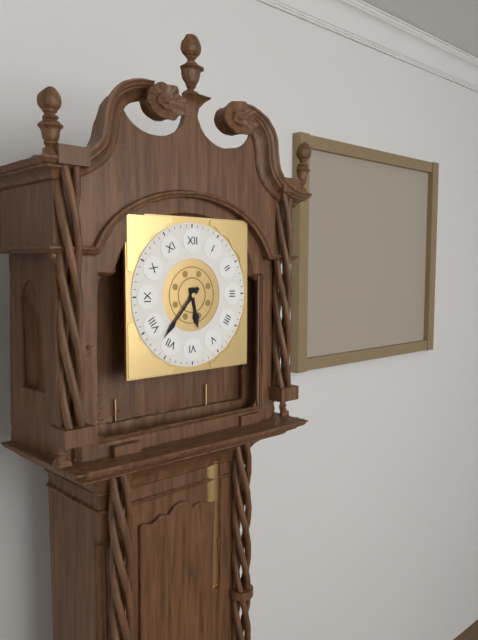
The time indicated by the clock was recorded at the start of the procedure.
5:37
